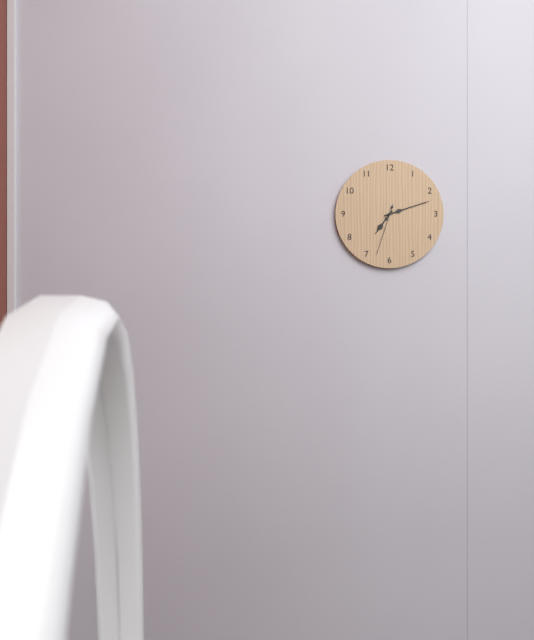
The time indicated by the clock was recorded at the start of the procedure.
7:12:33
